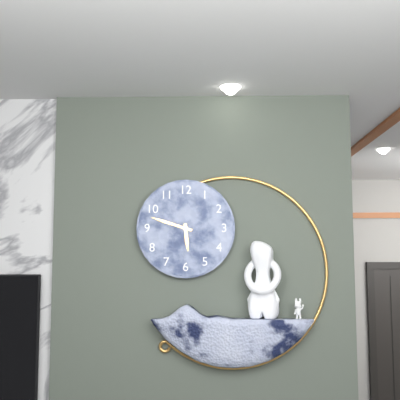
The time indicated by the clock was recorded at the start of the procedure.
5:48
